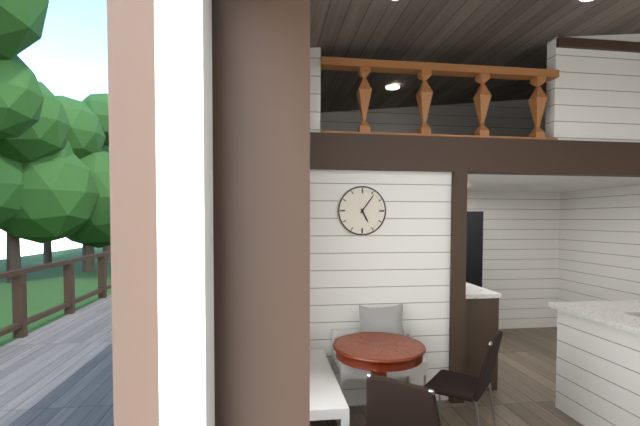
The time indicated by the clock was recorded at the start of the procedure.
5:06
